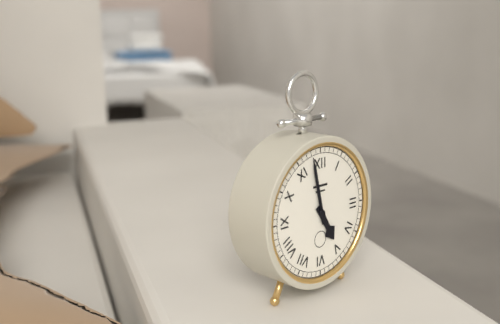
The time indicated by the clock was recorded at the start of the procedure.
4:58
